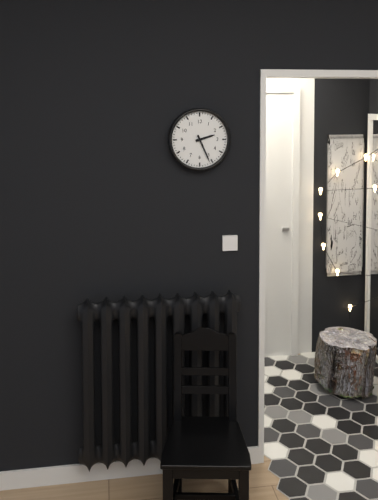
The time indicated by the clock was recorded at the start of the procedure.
2:26
